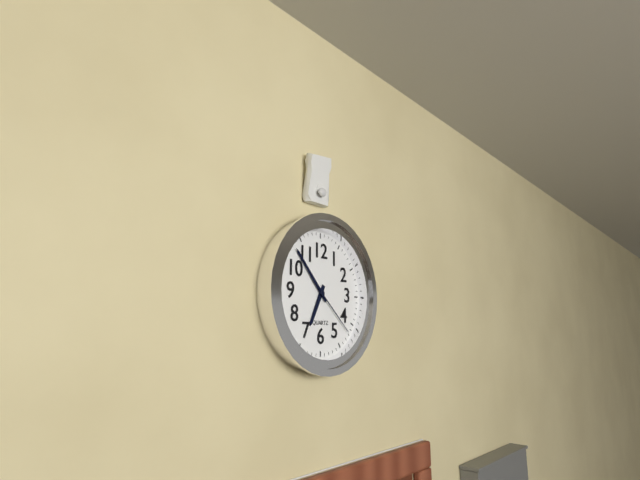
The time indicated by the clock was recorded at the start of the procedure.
6:53:22
